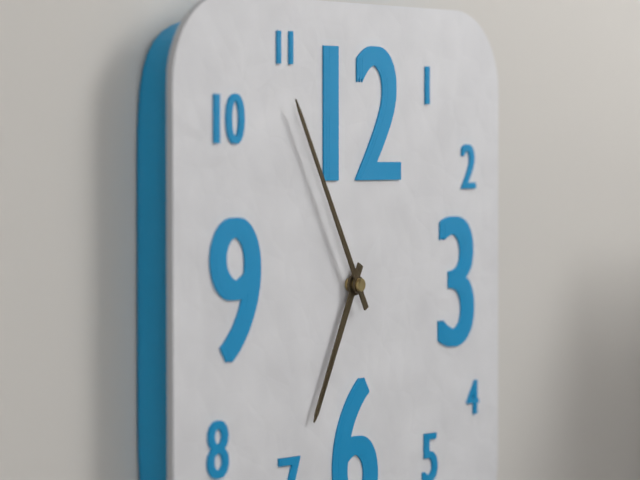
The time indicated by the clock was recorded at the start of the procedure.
6:55
